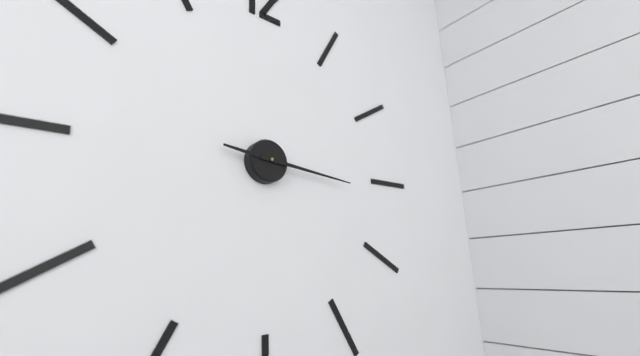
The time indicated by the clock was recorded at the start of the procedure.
9:16
